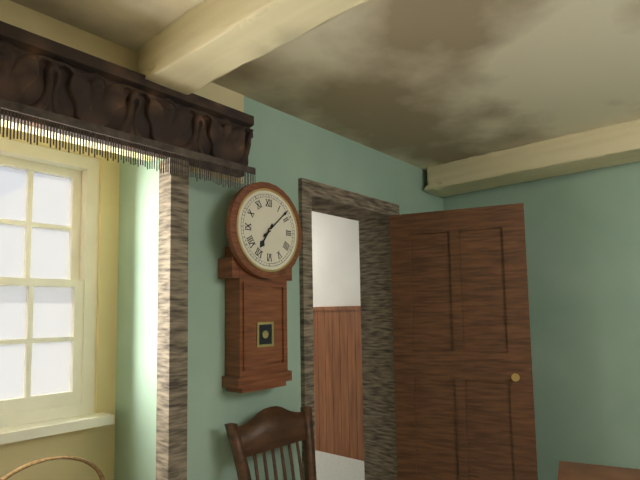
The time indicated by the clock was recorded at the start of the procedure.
7:08
